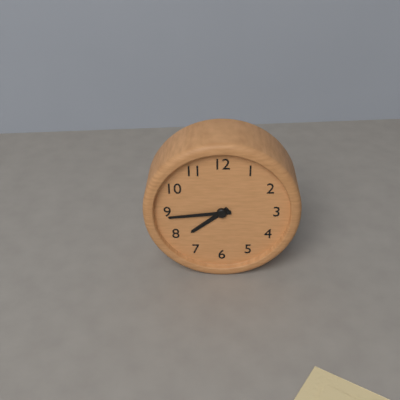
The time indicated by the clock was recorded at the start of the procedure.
7:44
